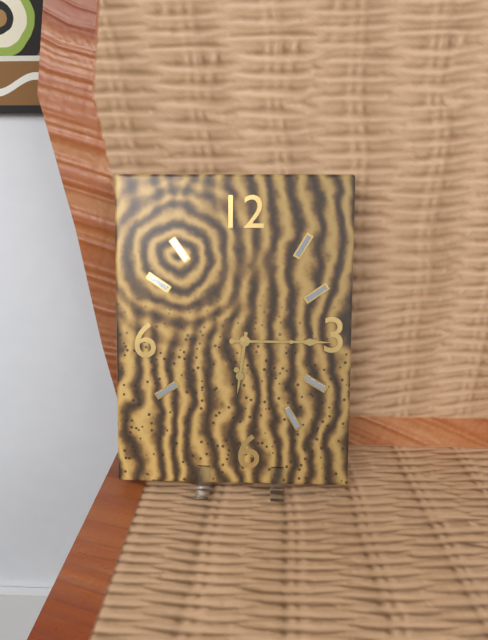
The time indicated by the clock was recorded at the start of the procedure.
6:15
